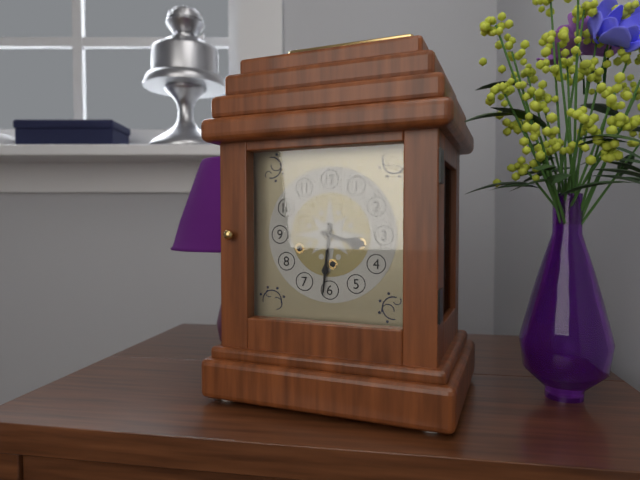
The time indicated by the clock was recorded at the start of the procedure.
3:31
